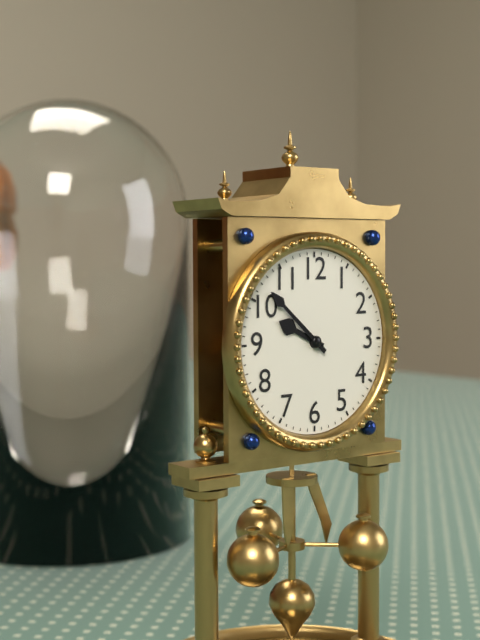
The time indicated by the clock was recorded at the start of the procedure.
9:52
